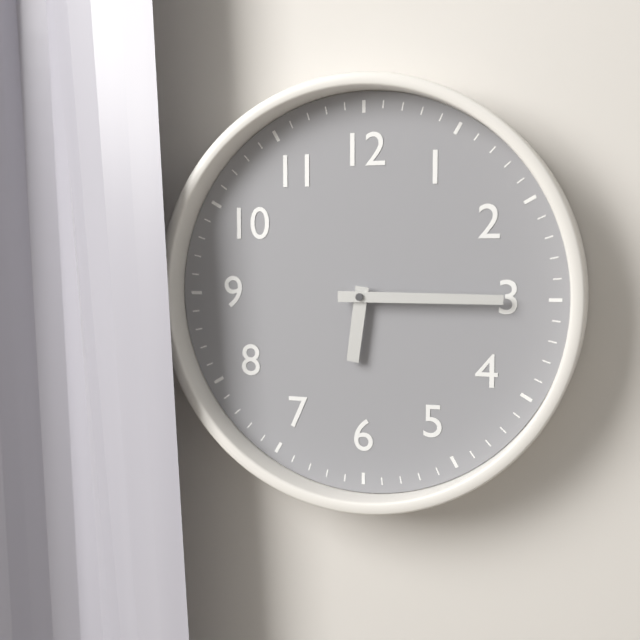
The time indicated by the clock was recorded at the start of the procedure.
6:15
